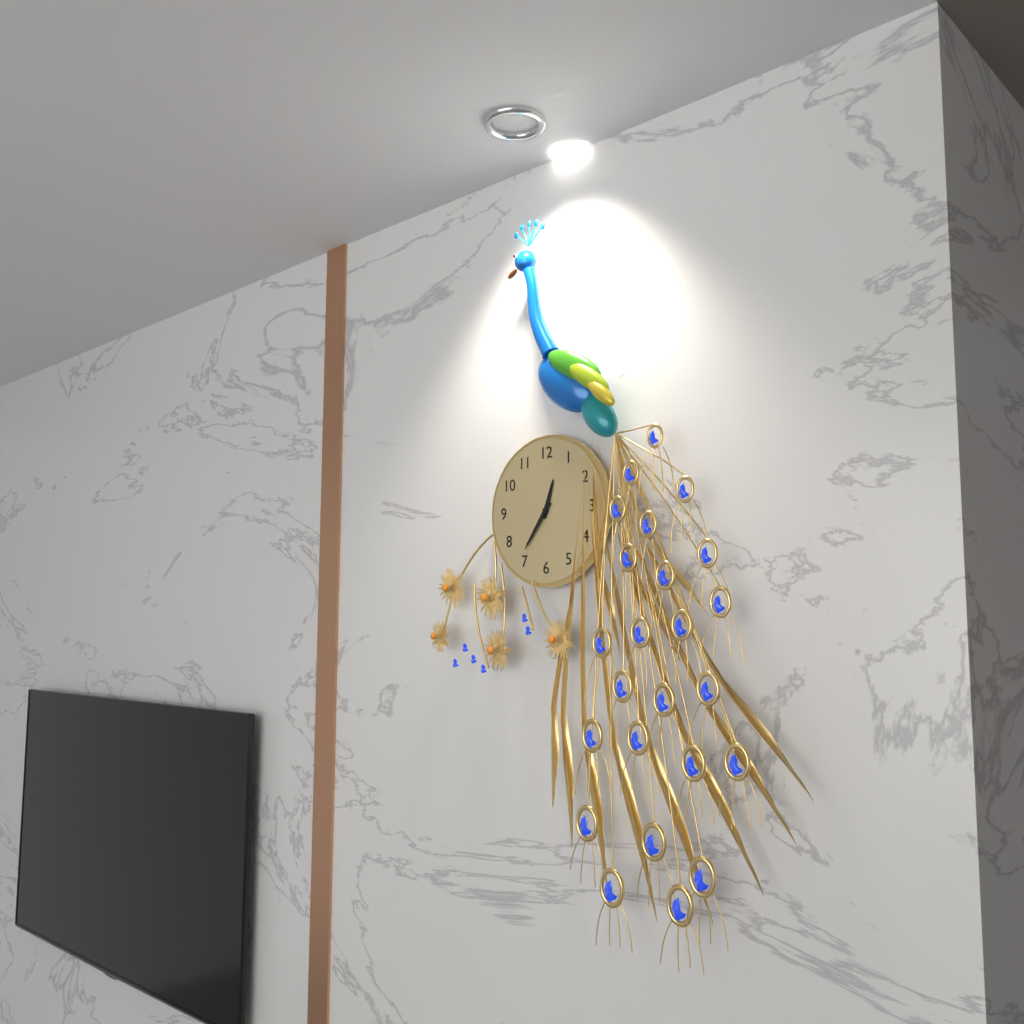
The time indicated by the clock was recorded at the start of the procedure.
12:36
